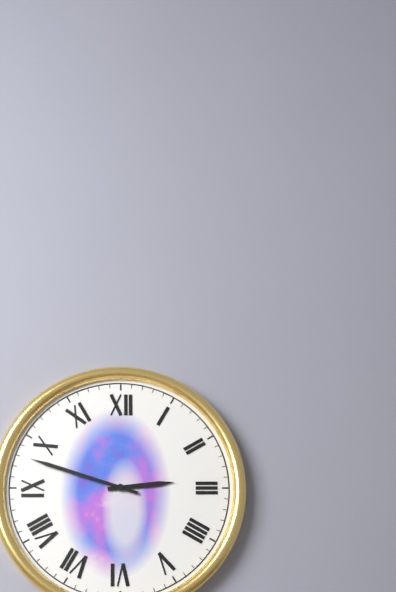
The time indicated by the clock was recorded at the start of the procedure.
2:48
